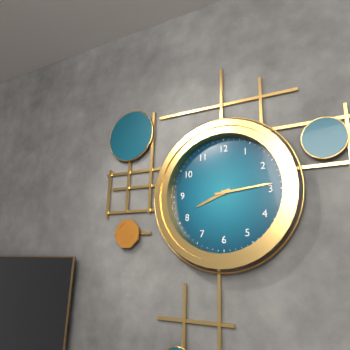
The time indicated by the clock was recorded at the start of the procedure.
8:14
